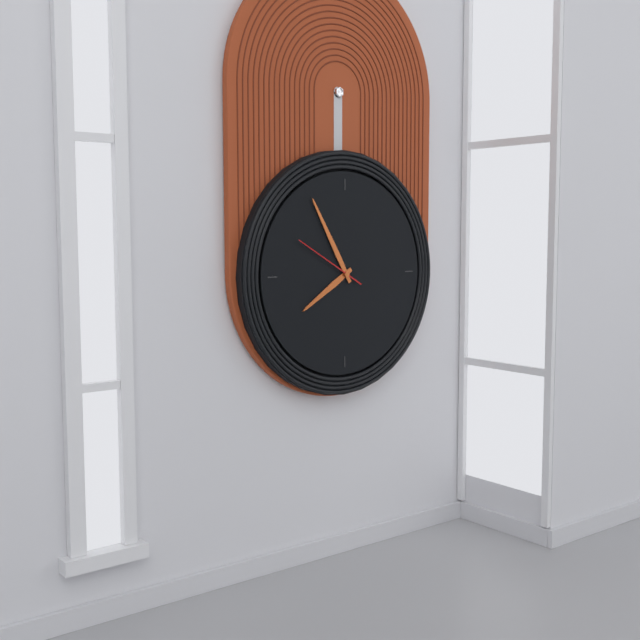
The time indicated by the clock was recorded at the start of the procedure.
7:55:50
